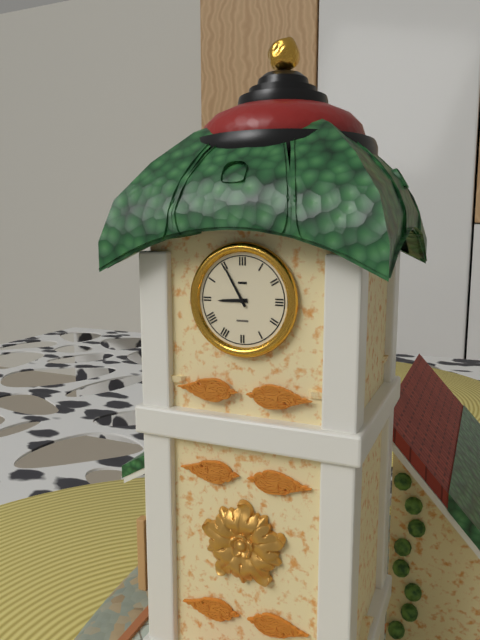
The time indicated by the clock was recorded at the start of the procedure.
8:55
